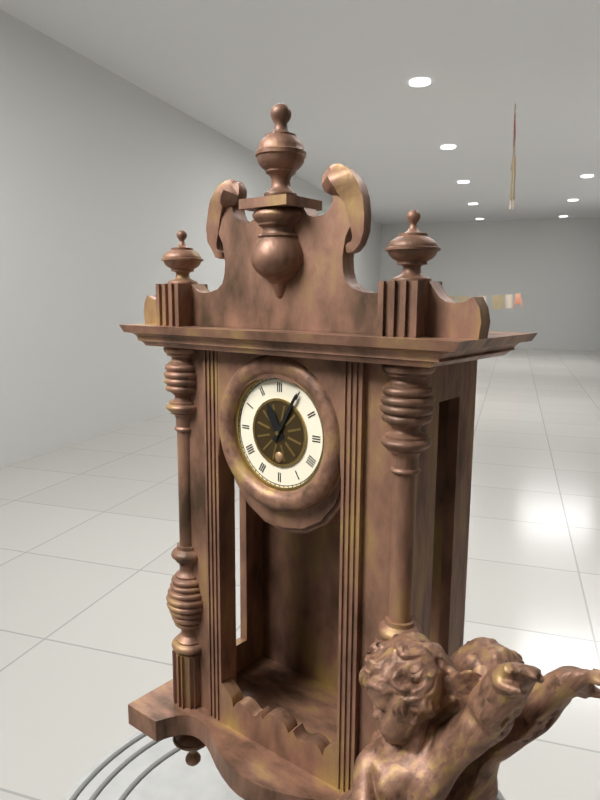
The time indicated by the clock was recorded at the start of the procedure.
11:05
